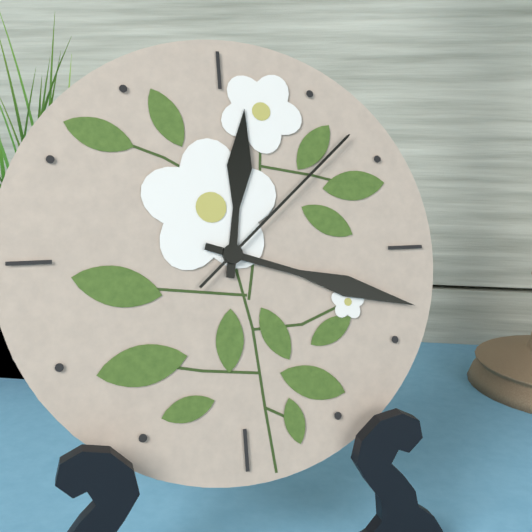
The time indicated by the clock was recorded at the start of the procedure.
12:18:08
